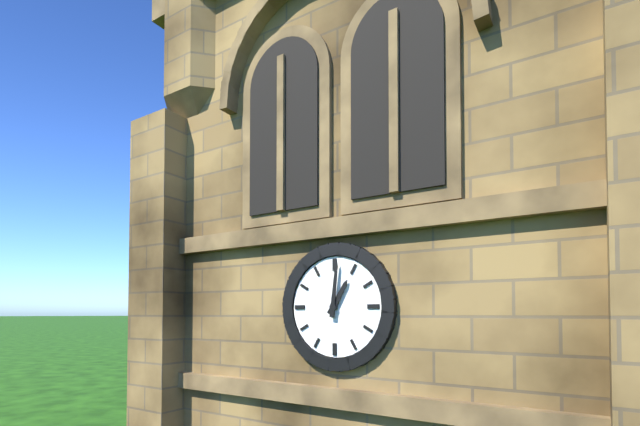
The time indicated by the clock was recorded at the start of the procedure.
1:01
